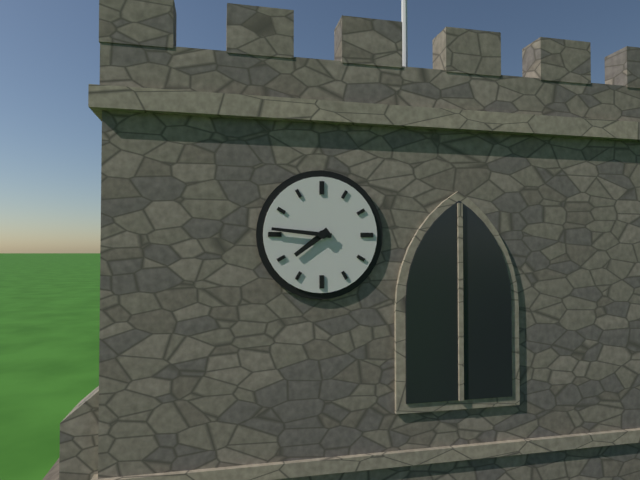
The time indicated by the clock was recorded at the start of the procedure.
7:46
